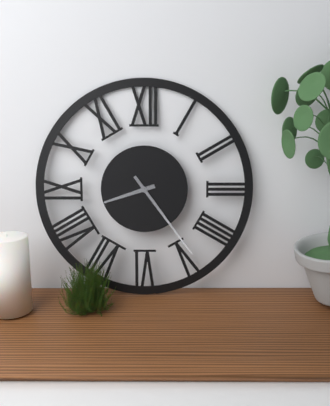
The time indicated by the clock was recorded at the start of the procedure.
8:24
